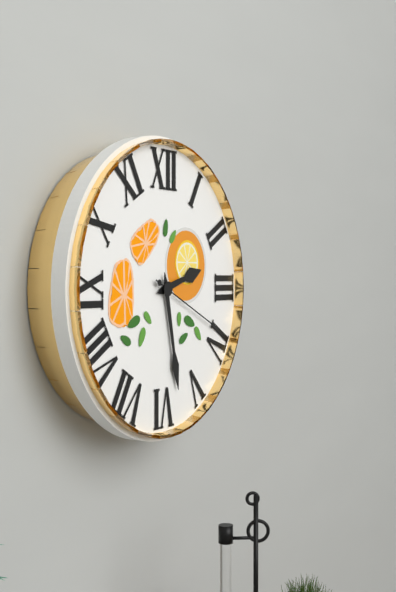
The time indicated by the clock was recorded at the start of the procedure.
2:28:19
